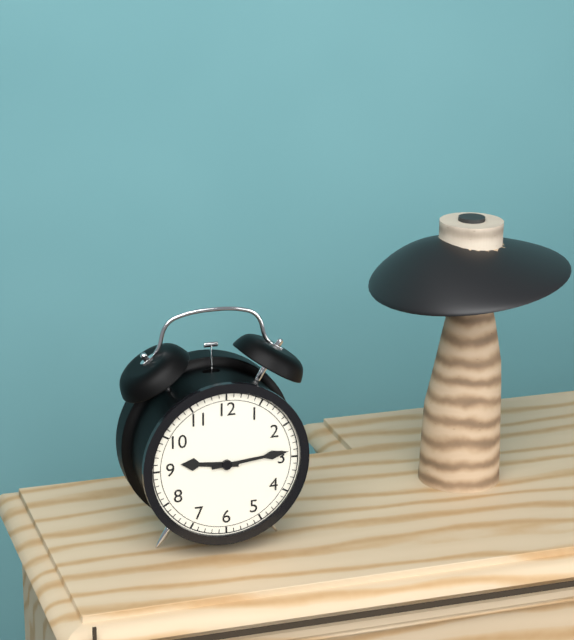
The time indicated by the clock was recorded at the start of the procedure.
9:14
